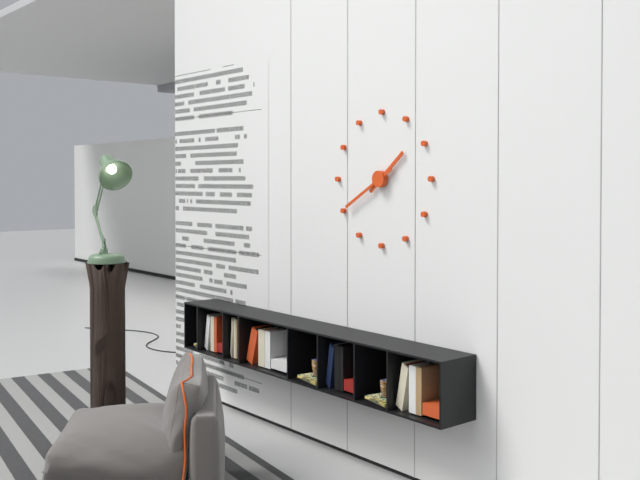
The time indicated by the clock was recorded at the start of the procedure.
1:40
